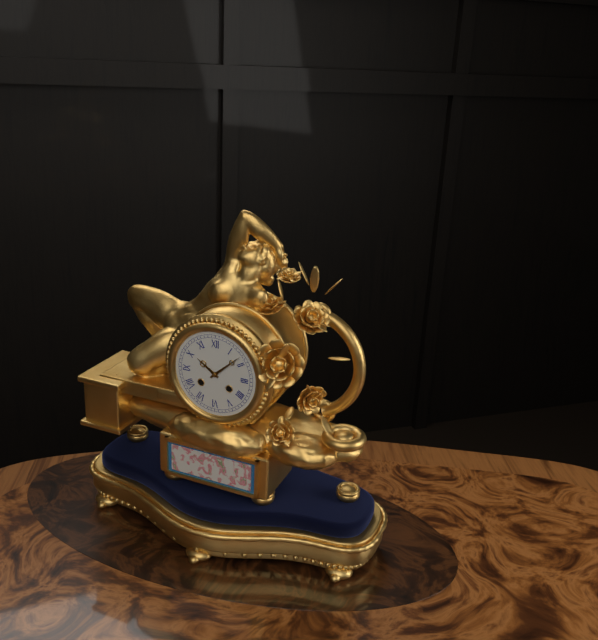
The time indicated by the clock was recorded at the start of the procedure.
10:08
